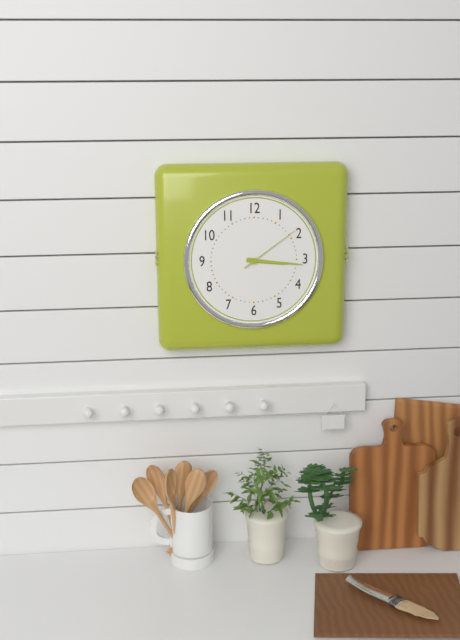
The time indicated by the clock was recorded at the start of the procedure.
3:16:09
